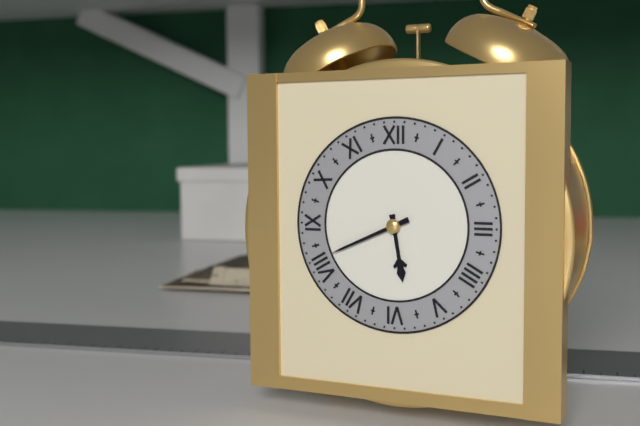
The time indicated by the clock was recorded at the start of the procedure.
5:41
